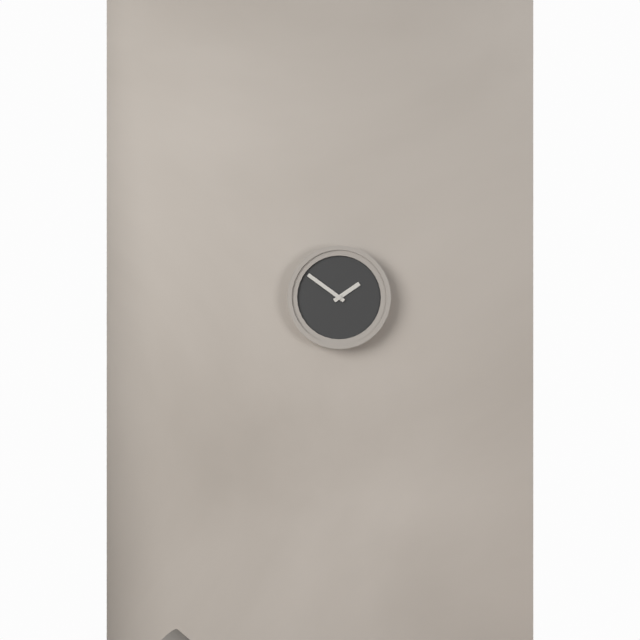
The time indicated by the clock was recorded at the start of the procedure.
1:51
